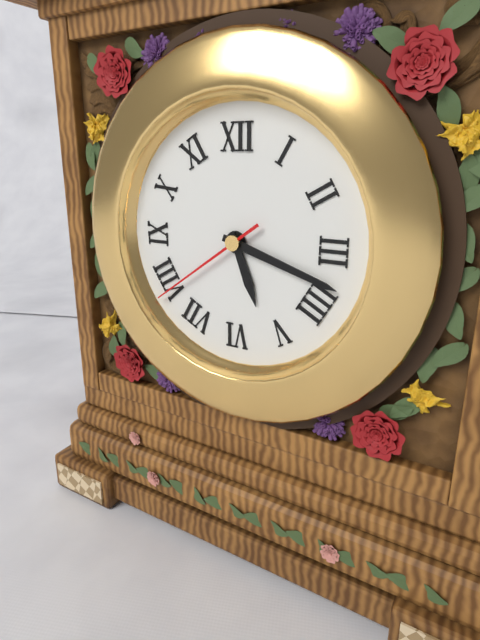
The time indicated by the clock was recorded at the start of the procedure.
5:18:39
